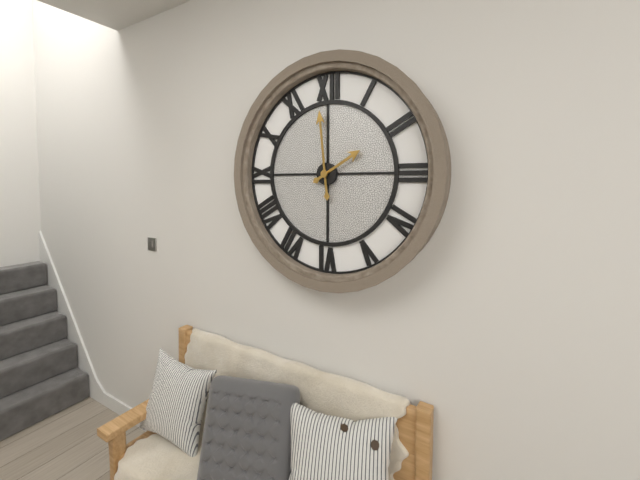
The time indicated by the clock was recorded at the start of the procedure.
1:59
